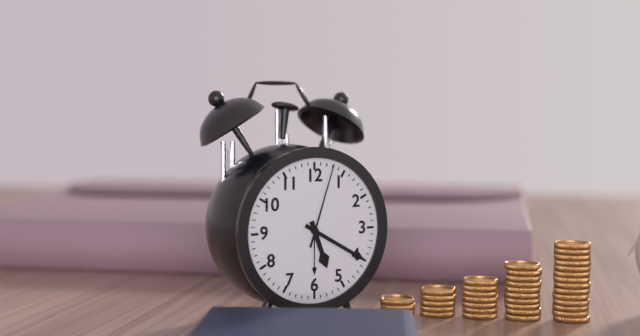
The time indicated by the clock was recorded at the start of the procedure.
5:20:03
